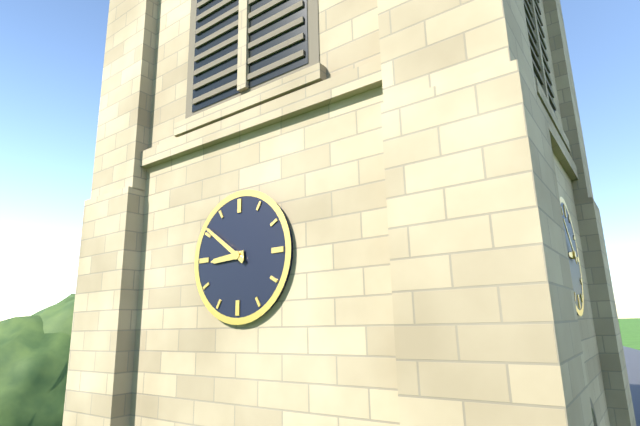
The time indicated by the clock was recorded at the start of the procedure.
8:51
